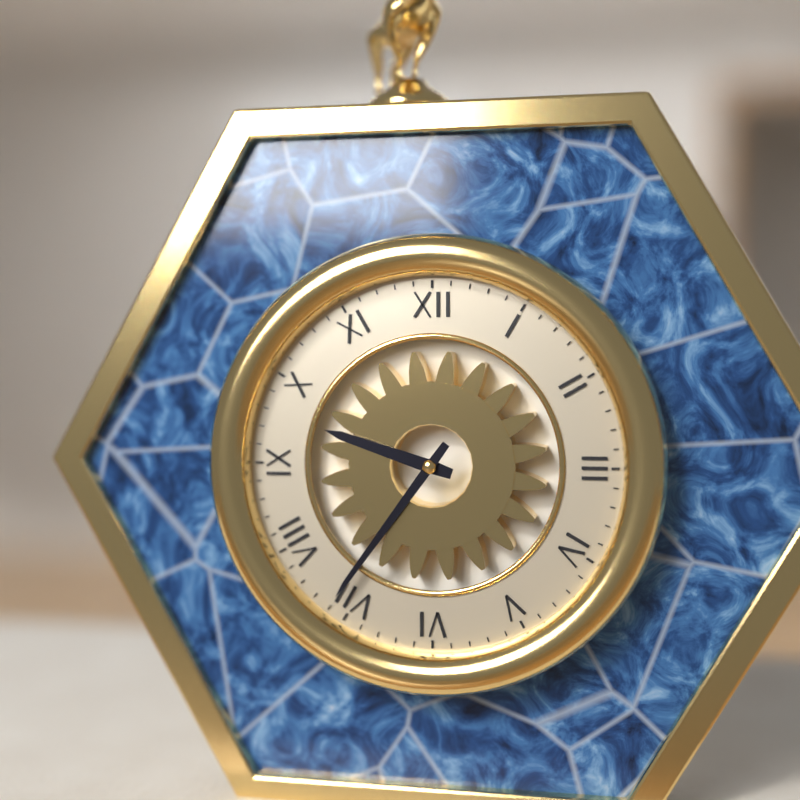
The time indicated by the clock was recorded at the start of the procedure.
9:36
